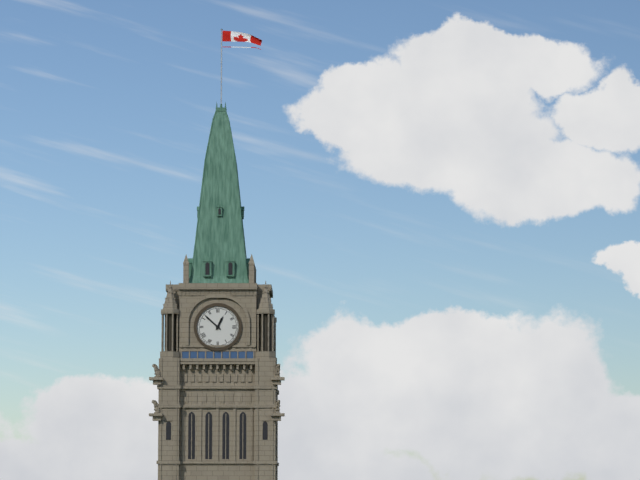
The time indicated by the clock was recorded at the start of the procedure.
12:52
